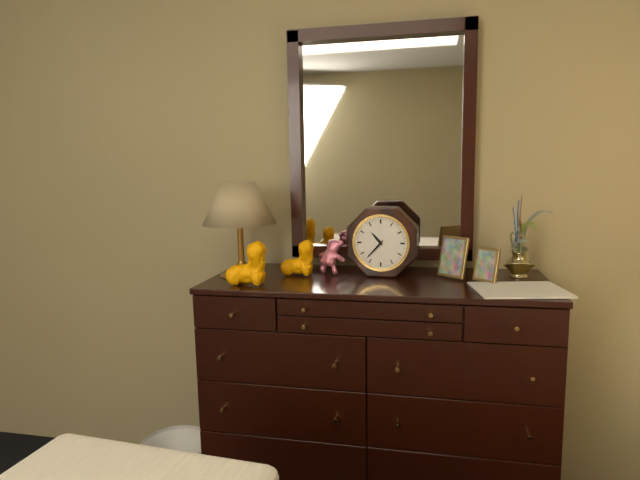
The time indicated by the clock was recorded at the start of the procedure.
10:37
